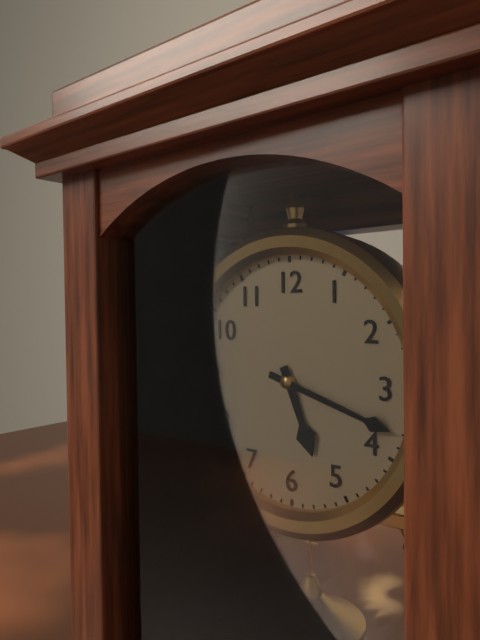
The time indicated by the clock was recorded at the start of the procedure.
5:18
